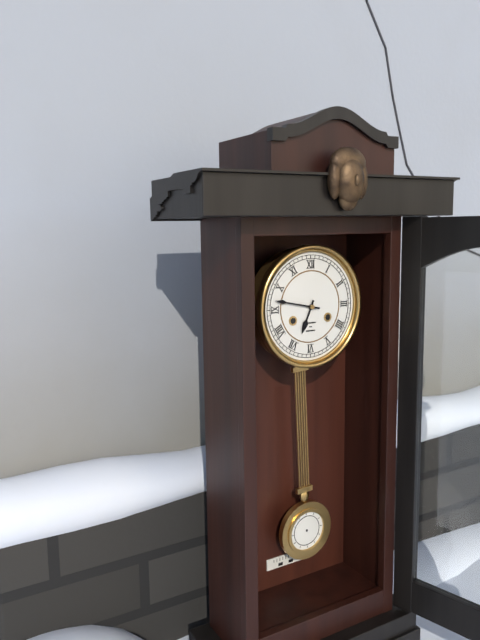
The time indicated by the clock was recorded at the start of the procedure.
6:47
